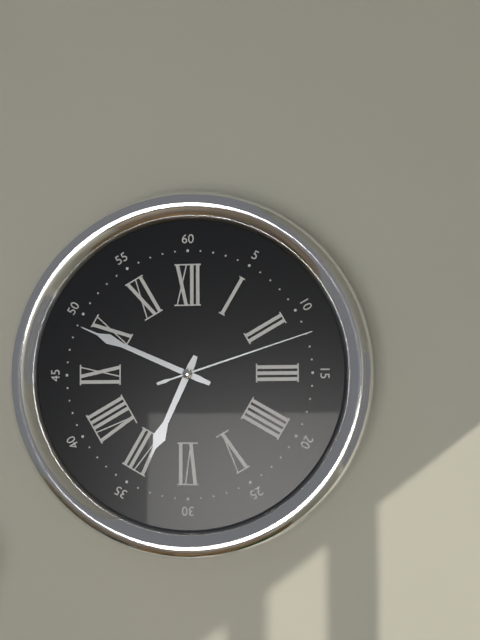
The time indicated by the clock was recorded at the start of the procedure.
6:49:12
